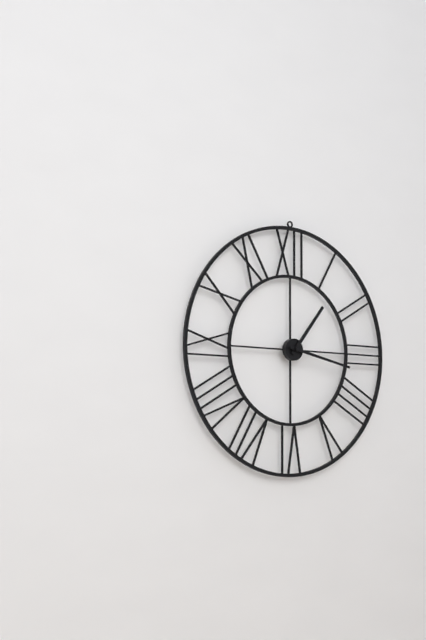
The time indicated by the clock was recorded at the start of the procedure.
1:17
